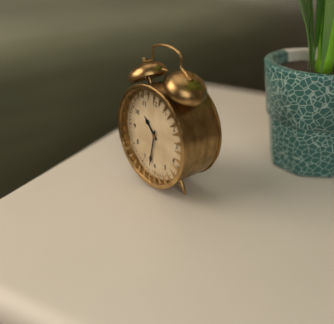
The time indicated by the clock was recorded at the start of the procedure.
10:32
